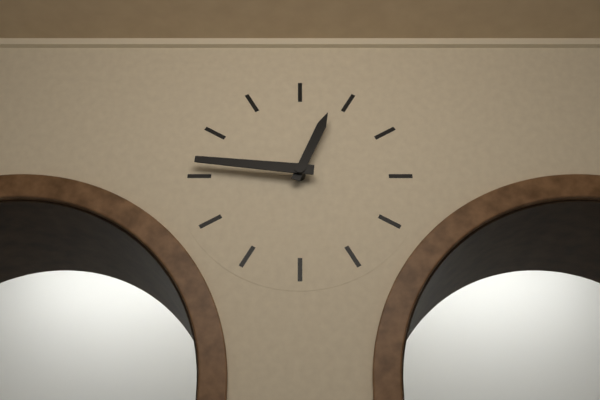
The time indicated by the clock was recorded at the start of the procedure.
12:46
